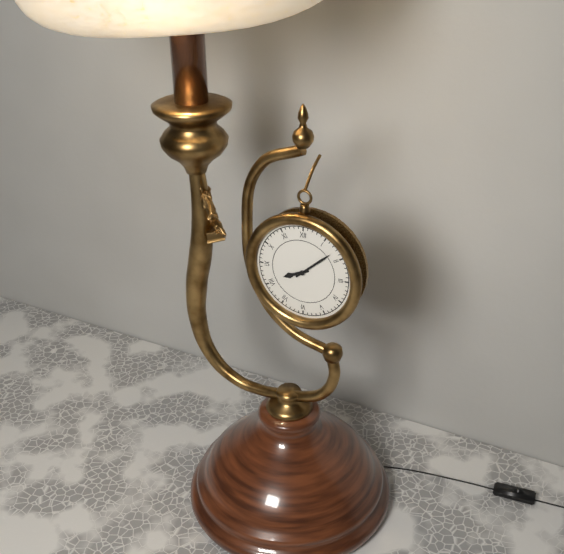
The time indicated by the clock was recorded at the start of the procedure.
8:08
